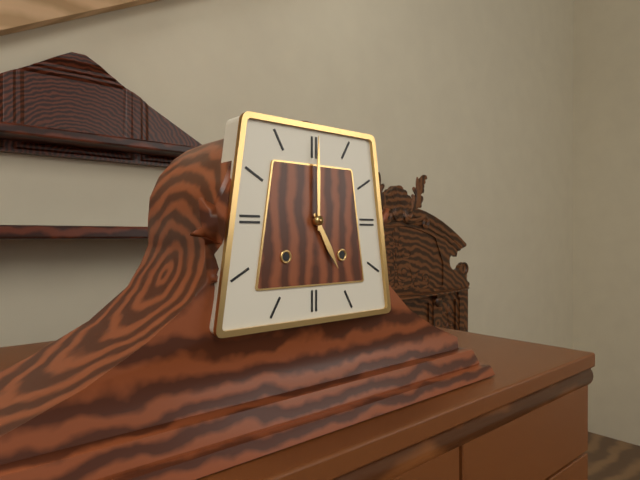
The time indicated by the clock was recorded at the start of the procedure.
5:00
